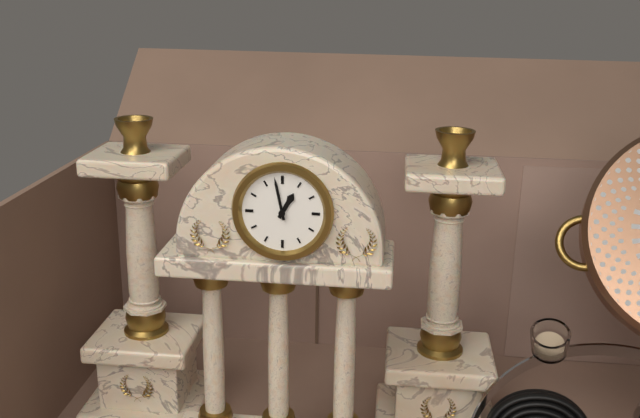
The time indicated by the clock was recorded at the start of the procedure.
12:58
